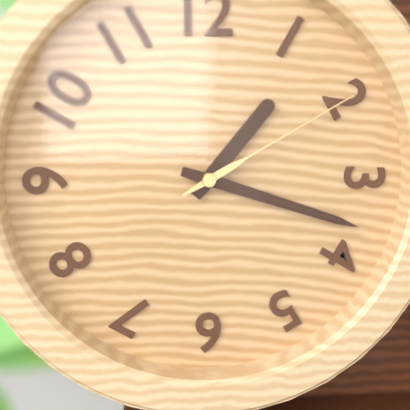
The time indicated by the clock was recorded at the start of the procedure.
1:18:10
